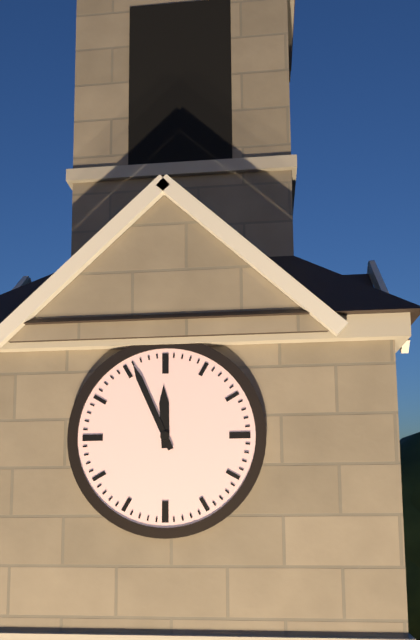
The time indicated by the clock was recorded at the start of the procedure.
11:56
